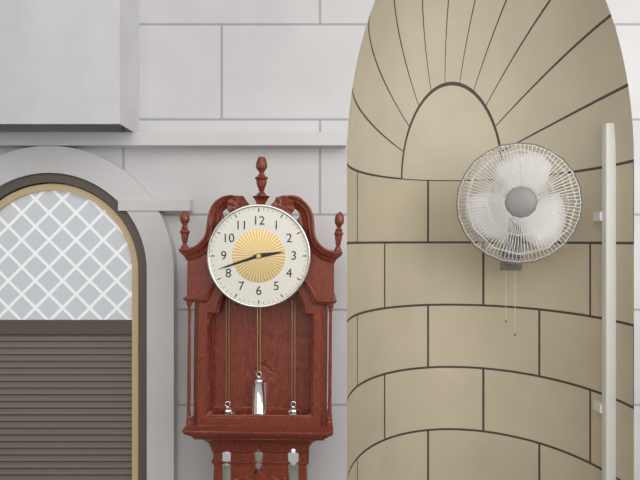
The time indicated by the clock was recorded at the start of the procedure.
2:42
